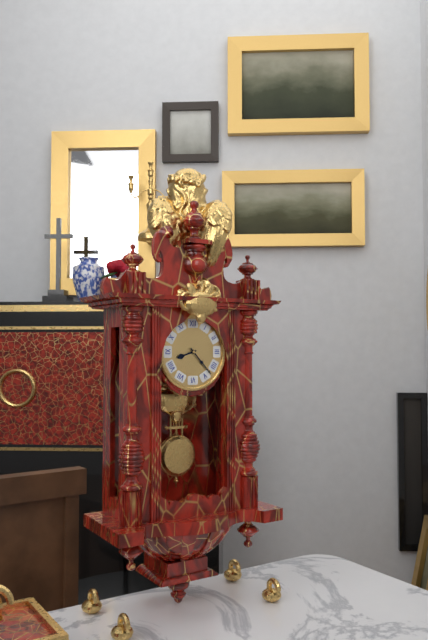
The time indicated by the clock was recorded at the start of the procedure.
8:23
